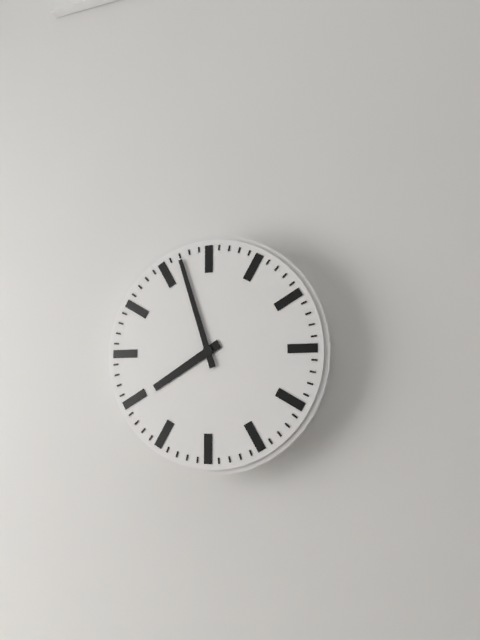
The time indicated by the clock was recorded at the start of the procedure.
7:57
